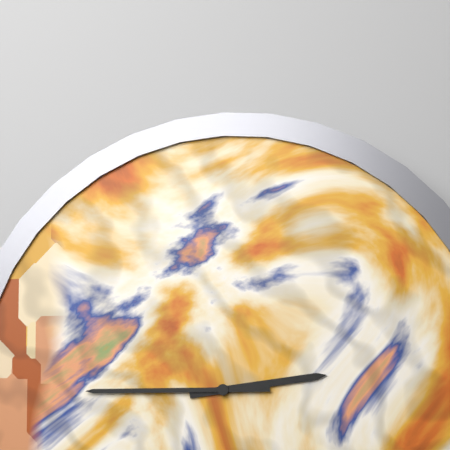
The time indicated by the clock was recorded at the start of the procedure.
2:45
